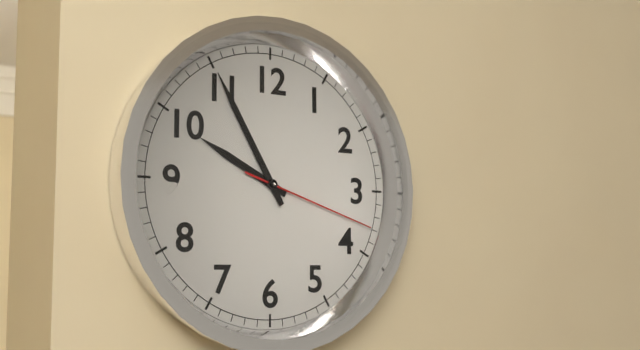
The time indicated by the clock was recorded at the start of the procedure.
9:55:18
